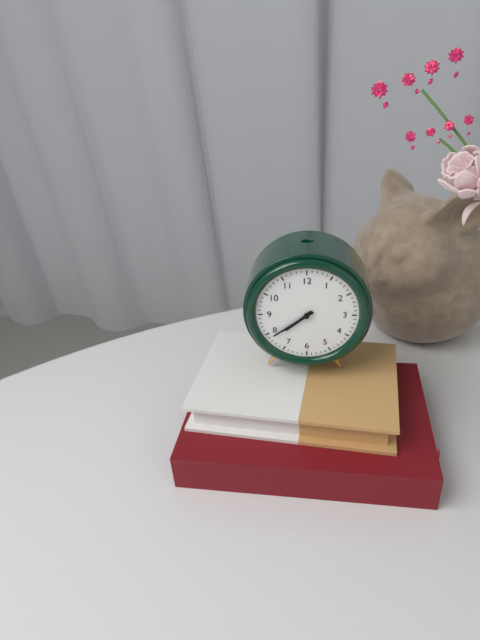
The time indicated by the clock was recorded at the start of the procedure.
7:39
